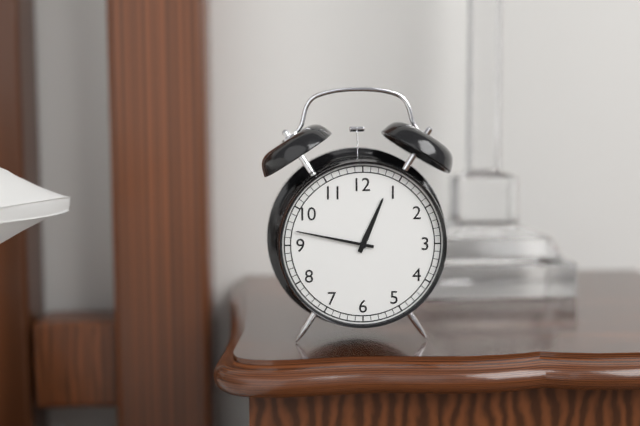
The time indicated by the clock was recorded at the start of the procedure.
12:47
